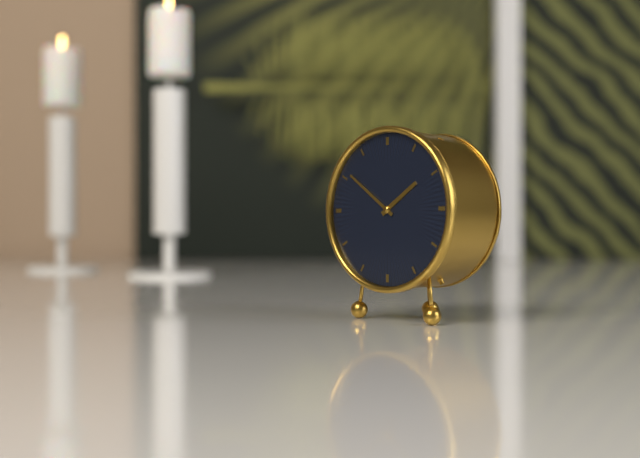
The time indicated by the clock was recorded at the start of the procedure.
1:51
